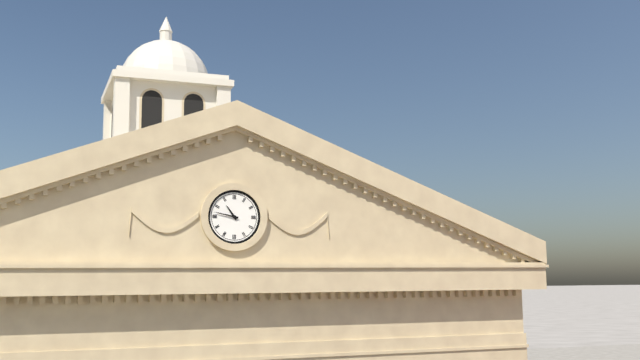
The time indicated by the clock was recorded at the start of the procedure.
10:47
